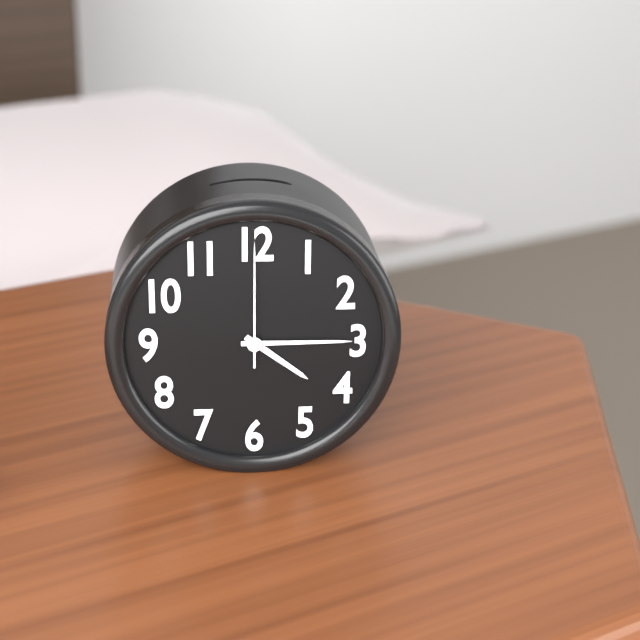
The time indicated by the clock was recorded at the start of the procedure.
4:15:00
